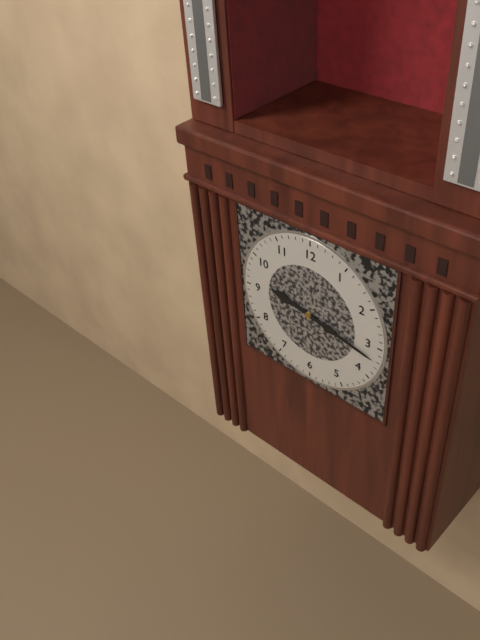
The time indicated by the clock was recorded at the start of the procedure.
9:17
